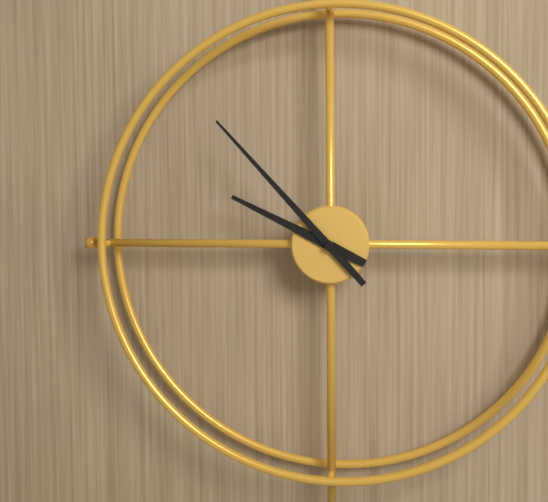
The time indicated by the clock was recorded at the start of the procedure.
9:53
